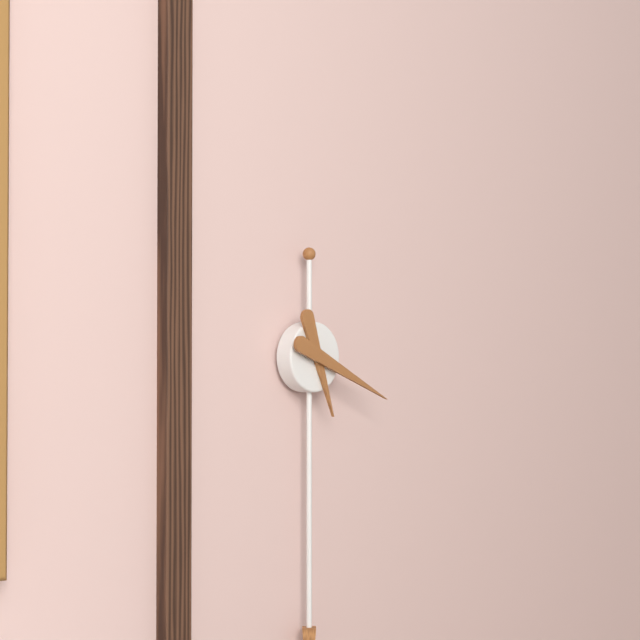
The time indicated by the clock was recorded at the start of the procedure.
5:19
